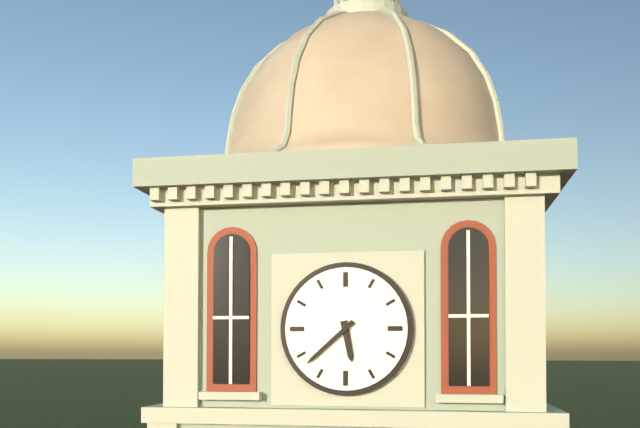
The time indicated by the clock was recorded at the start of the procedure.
5:38
